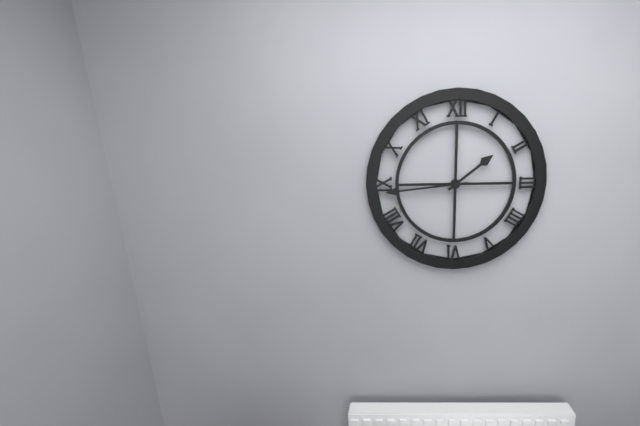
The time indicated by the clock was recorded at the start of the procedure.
1:44
